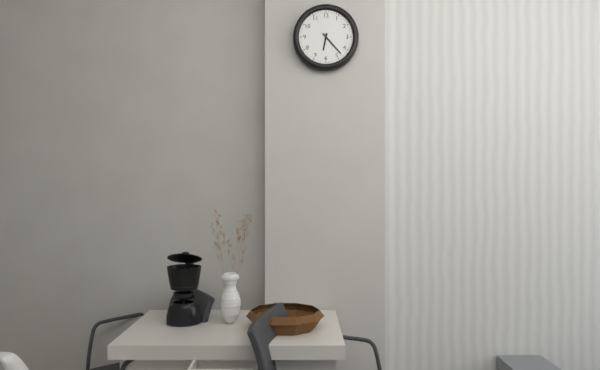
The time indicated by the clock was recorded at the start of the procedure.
6:23
